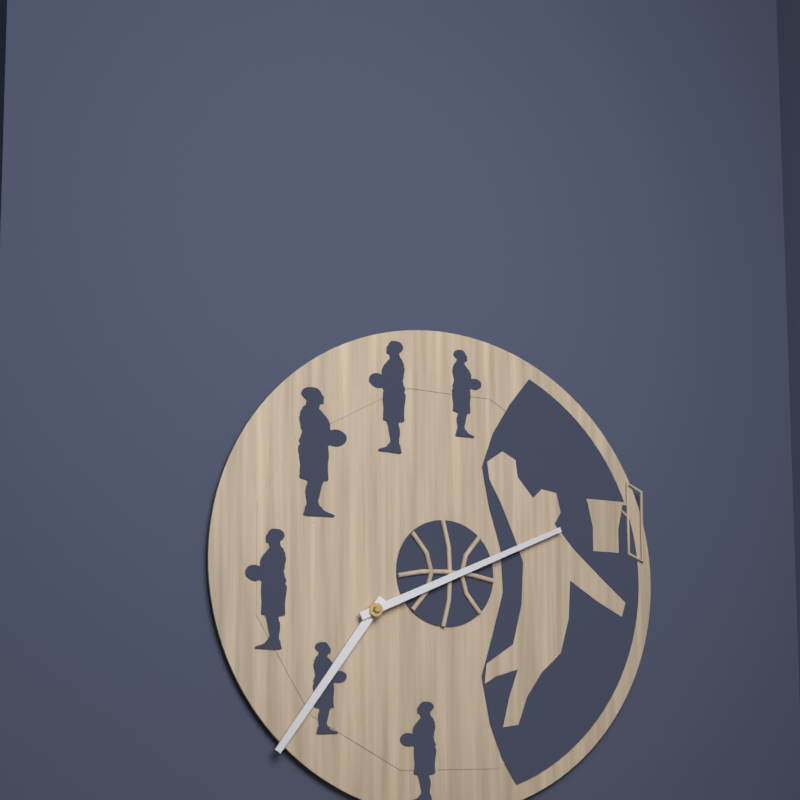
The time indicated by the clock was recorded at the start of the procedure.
7:11
